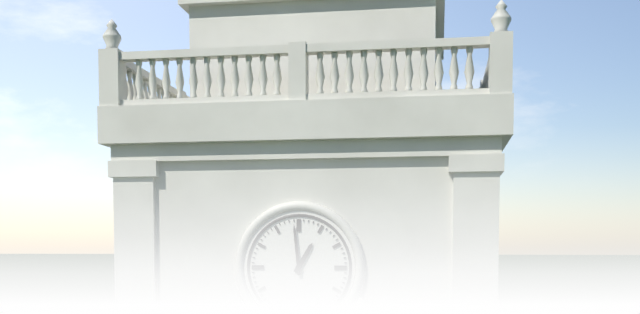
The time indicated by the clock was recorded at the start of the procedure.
12:59
